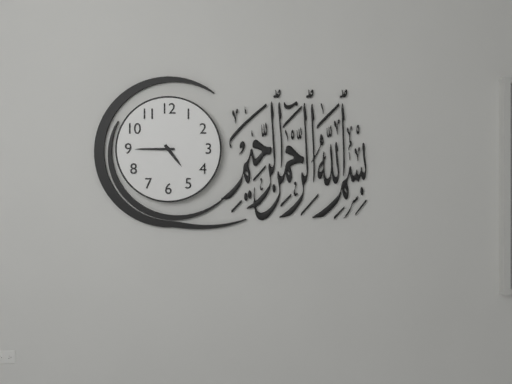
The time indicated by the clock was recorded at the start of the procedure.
4:45
